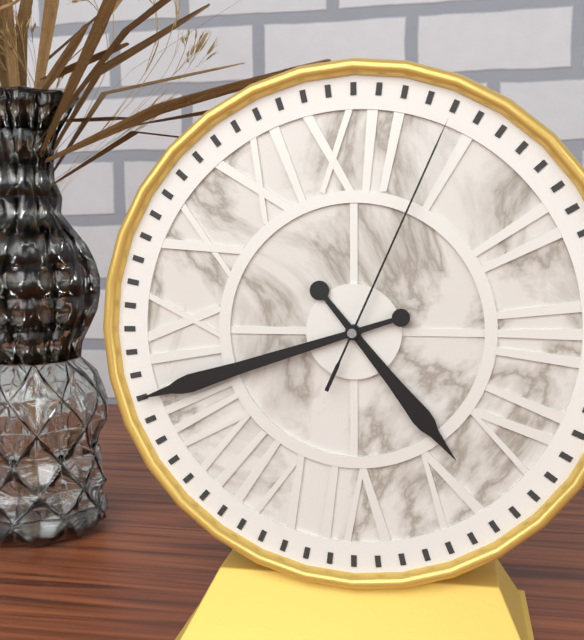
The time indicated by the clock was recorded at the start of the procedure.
4:42:04
